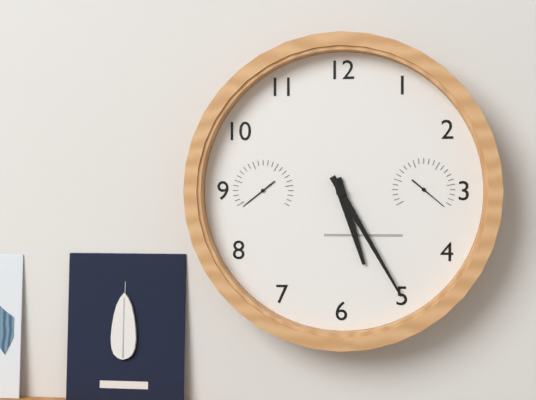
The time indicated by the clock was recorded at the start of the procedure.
5:25
